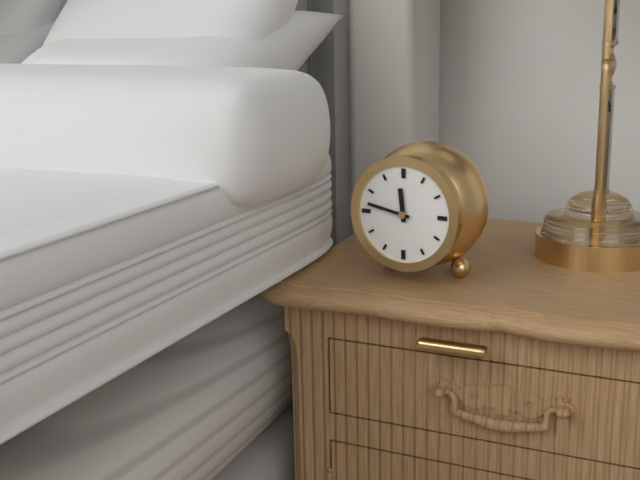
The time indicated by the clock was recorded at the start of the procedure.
11:47
